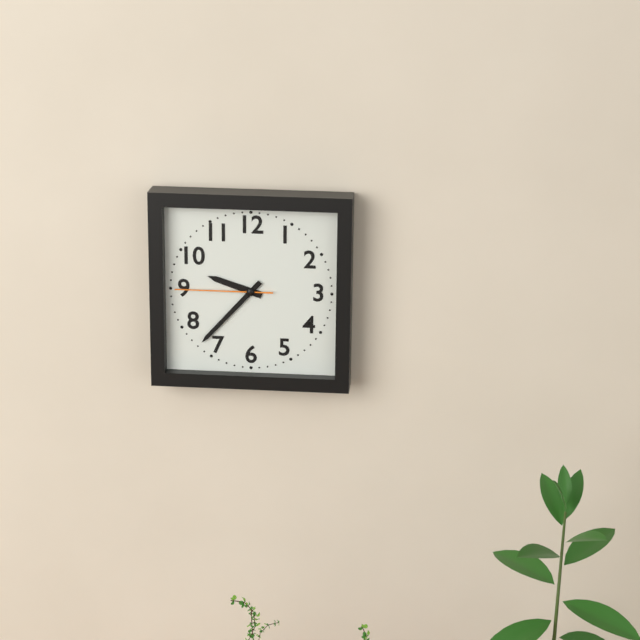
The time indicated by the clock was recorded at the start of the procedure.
9:37:45
